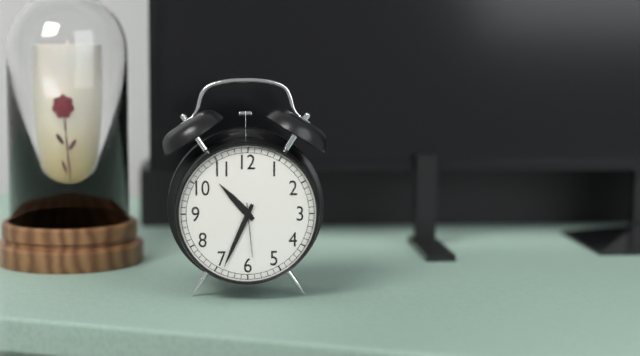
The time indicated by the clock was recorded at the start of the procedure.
10:34:29
